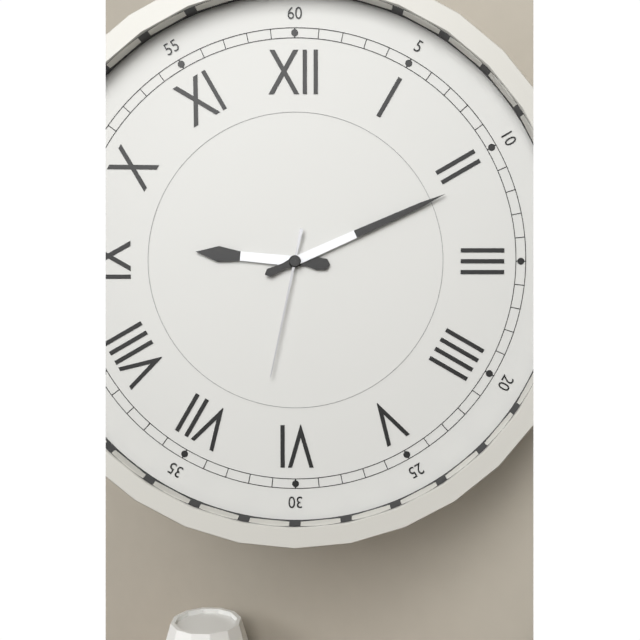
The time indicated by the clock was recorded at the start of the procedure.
9:11:32
